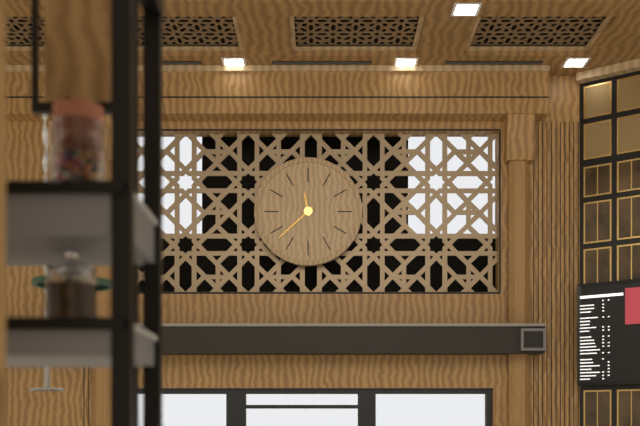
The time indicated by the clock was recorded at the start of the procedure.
11:38
